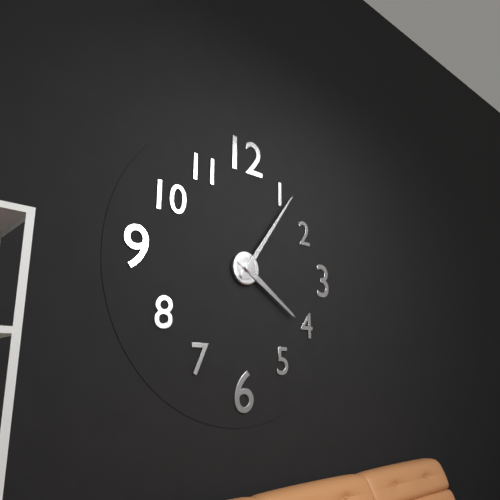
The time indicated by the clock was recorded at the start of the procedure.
4:06
